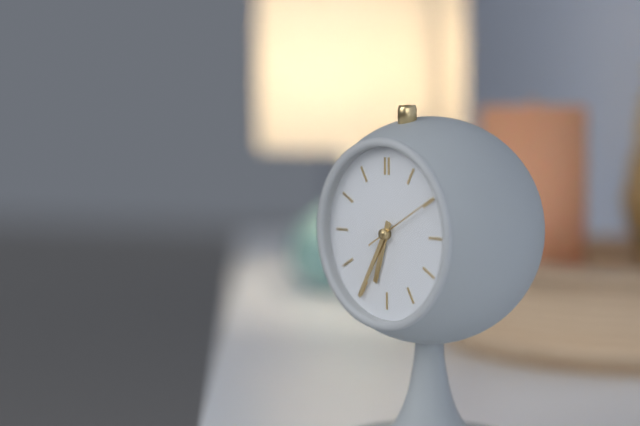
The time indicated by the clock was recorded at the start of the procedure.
6:35:10
